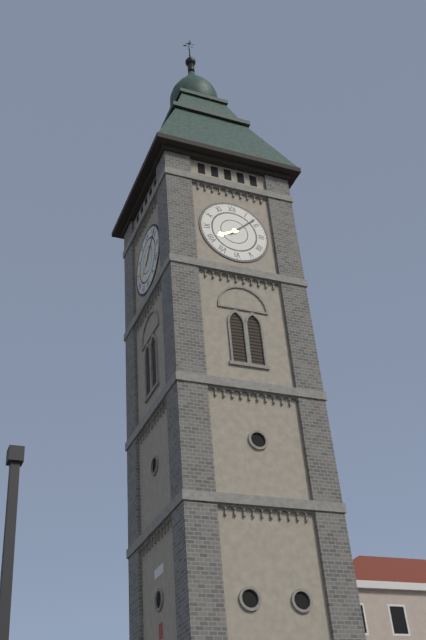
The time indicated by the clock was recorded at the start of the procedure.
8:08
